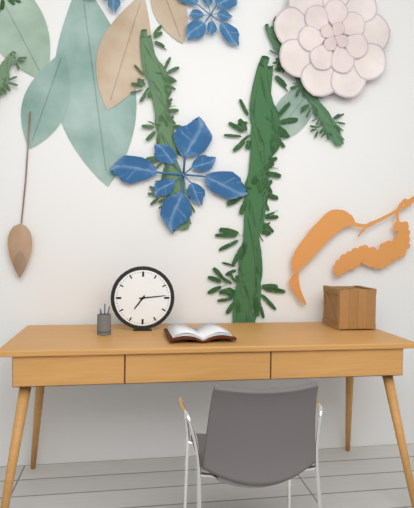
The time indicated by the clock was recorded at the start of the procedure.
7:14
